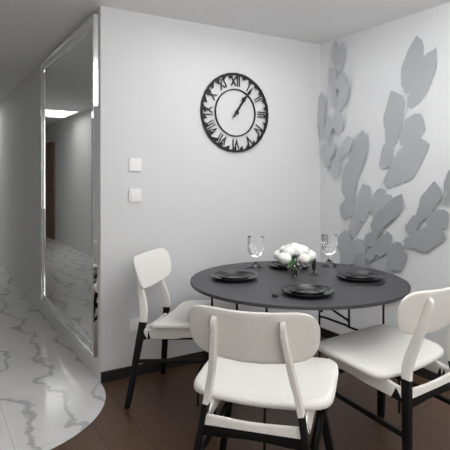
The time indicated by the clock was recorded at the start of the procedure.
1:06
